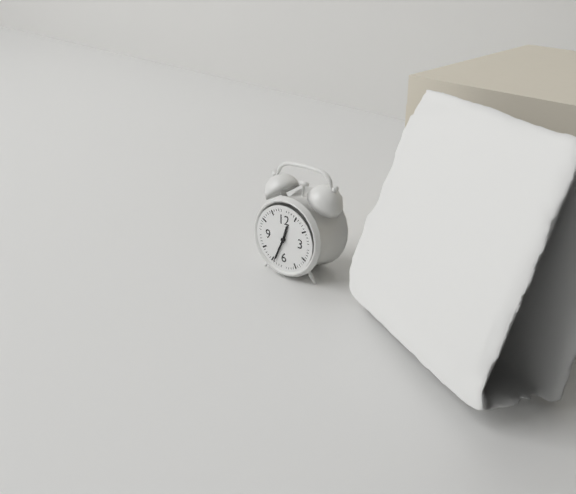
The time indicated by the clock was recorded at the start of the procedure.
12:34
